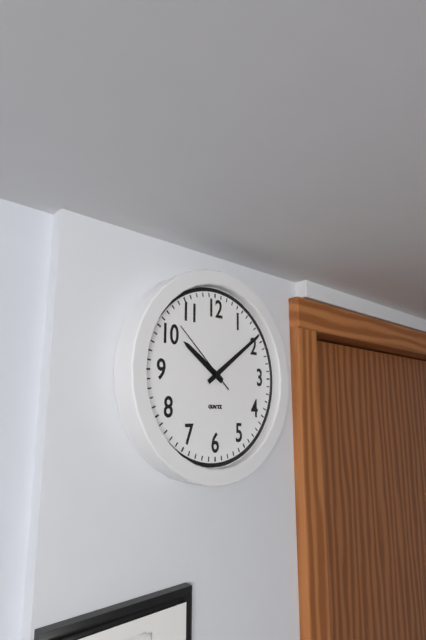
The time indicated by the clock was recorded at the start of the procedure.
10:09:52
